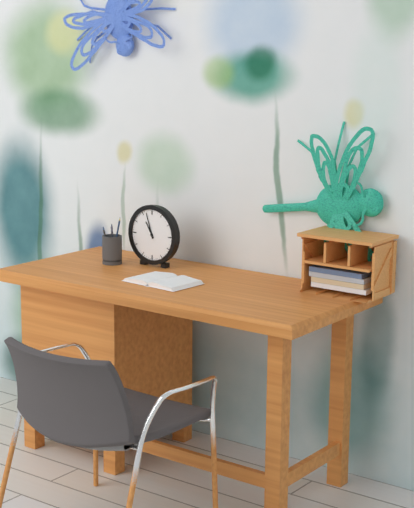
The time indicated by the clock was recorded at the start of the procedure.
10:57
